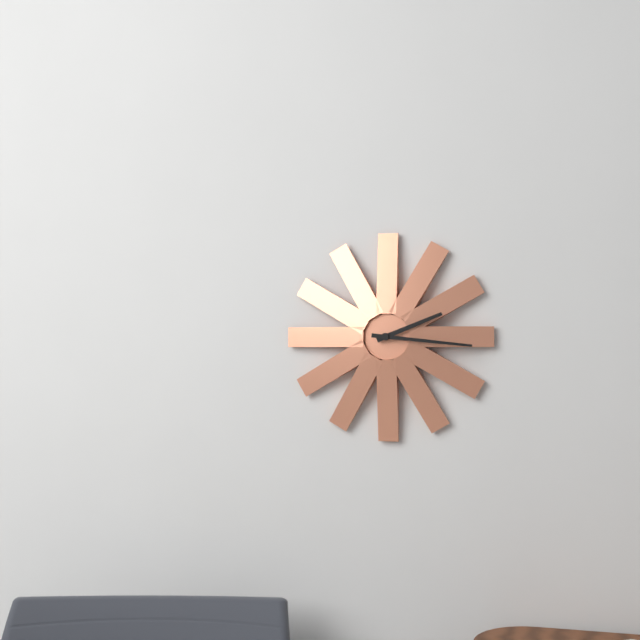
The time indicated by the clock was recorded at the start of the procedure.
2:16
